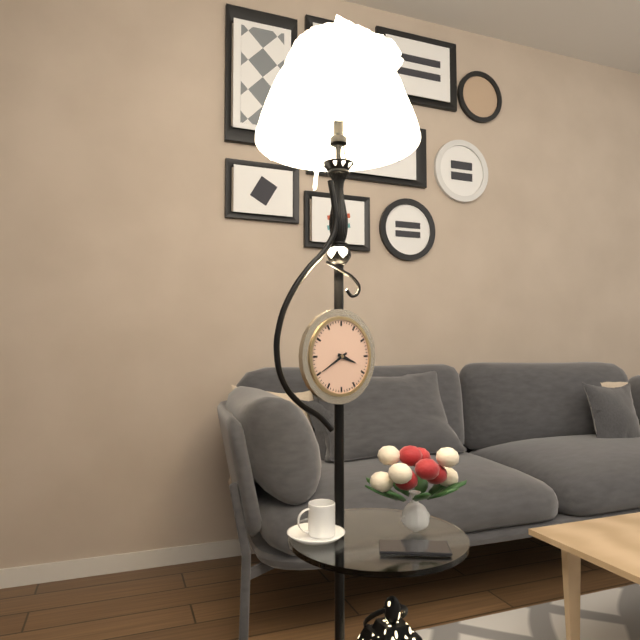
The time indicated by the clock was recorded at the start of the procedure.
3:40
